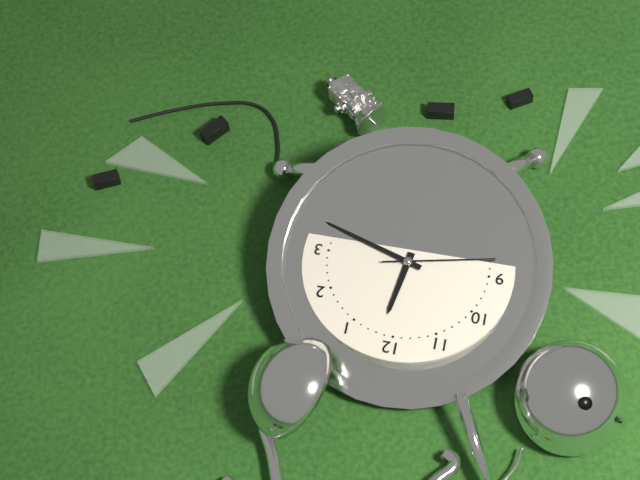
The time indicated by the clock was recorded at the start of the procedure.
12:18:43
